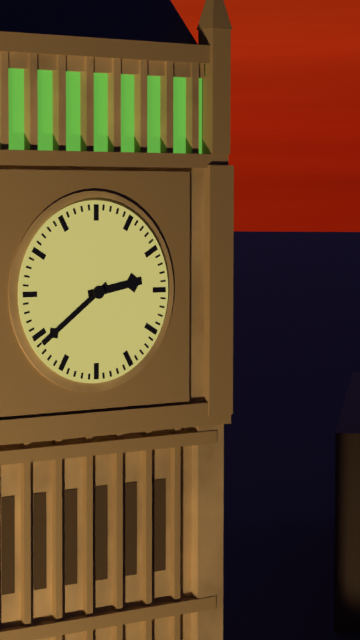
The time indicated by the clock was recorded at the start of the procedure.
2:39
